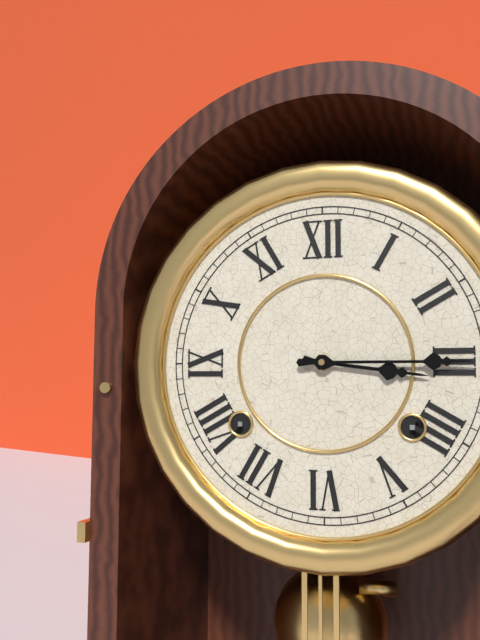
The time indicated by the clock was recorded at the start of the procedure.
3:15
